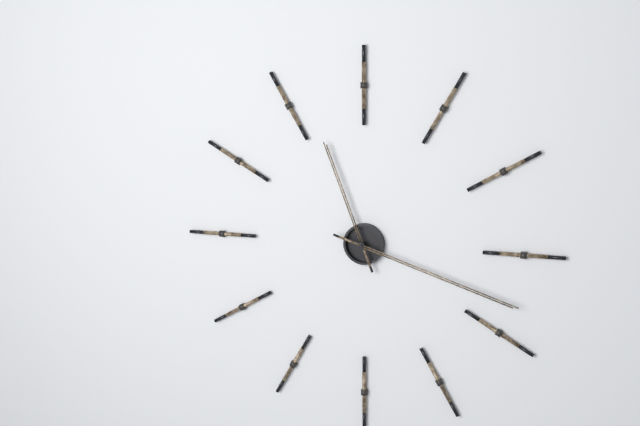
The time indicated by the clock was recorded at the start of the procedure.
11:18
